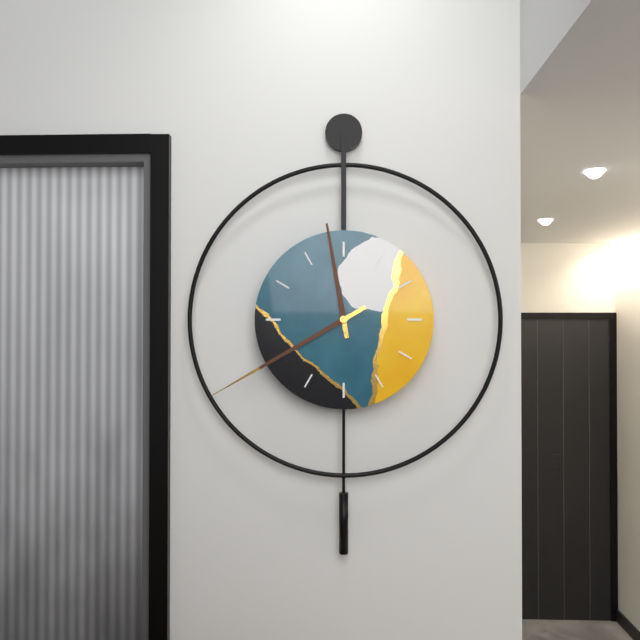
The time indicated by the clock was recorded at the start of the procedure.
11:40
